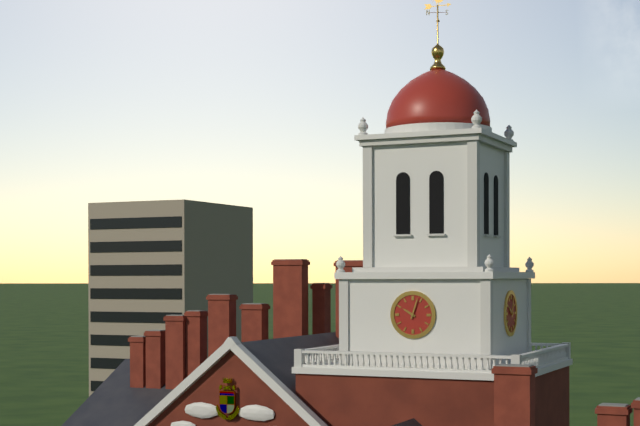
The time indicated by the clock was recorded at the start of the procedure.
10:03
